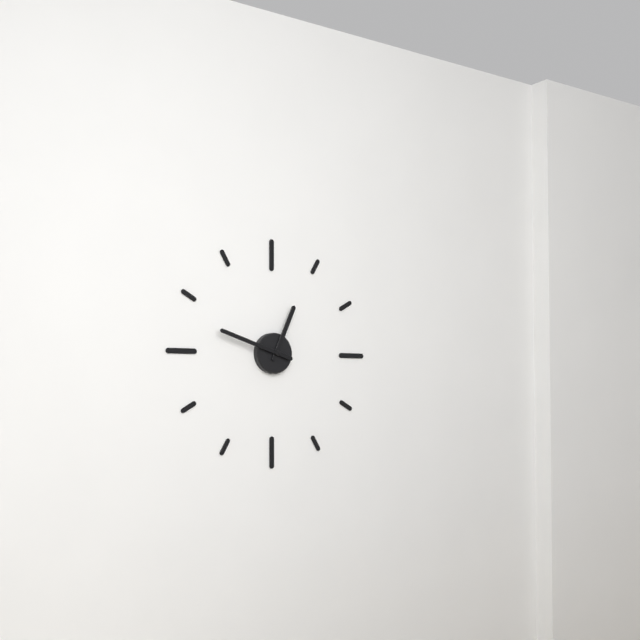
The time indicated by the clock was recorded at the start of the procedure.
12:48
